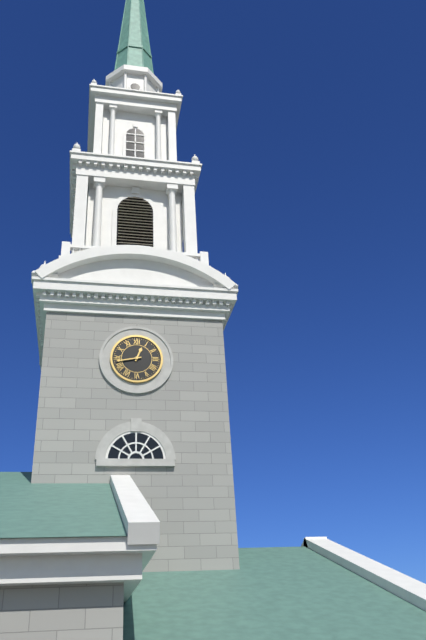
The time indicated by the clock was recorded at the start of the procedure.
12:43
